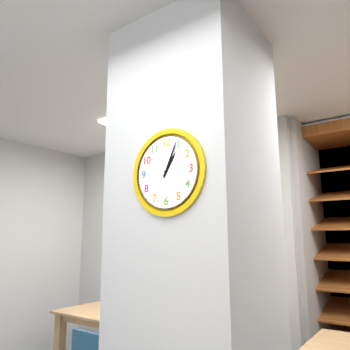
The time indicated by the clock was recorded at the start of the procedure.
1:04
